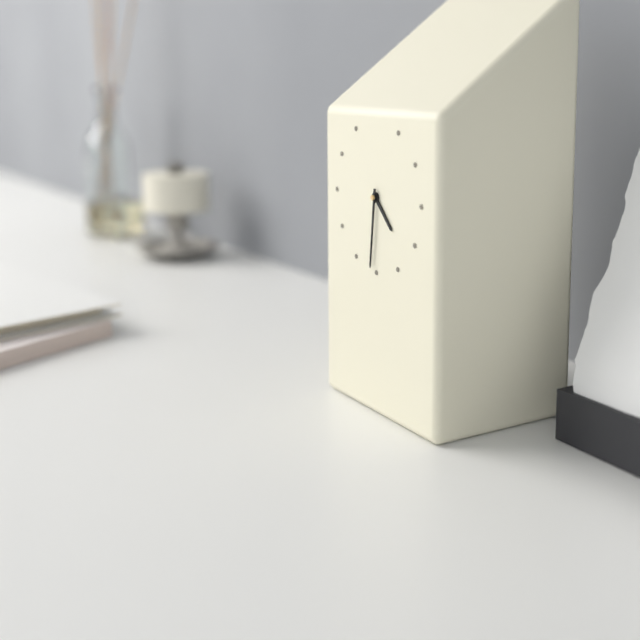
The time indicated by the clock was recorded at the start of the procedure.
4:31
